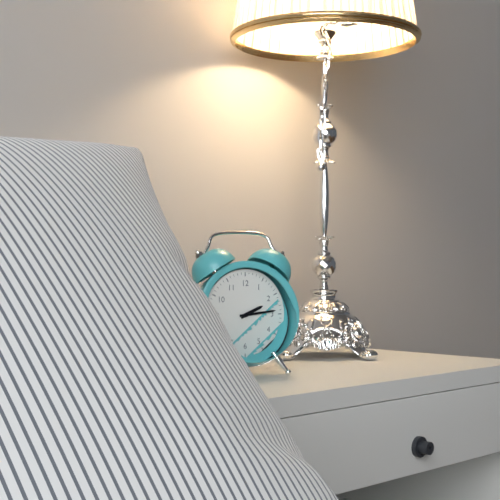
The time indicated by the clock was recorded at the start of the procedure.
2:14
